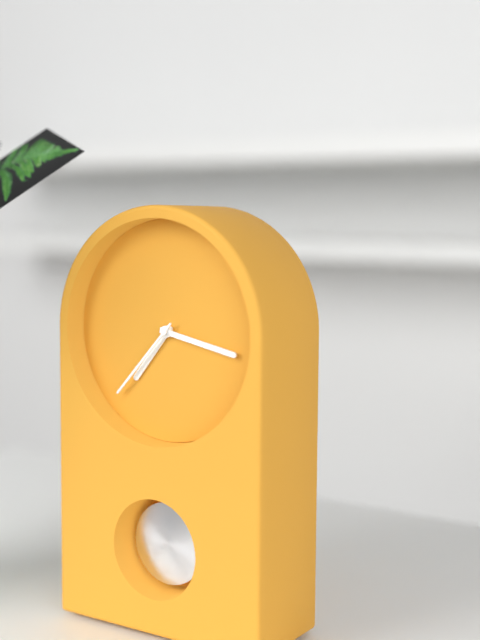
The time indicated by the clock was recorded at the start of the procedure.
7:17:37
